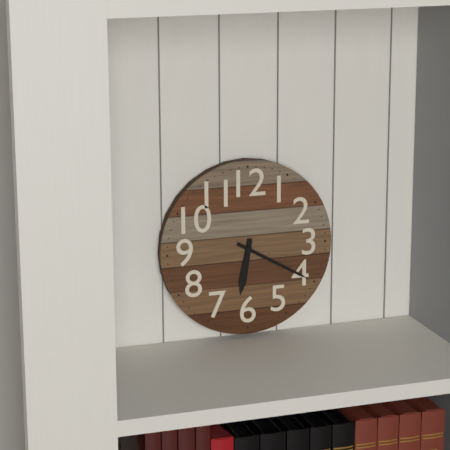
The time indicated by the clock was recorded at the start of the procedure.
6:20
